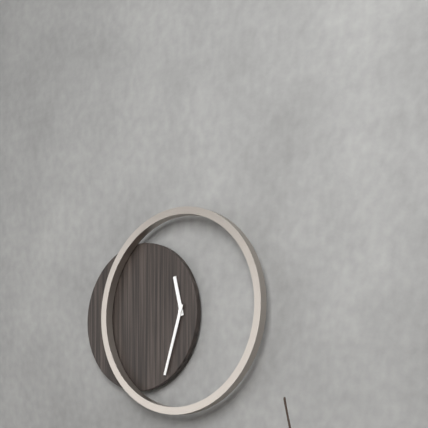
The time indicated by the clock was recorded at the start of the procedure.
11:33
